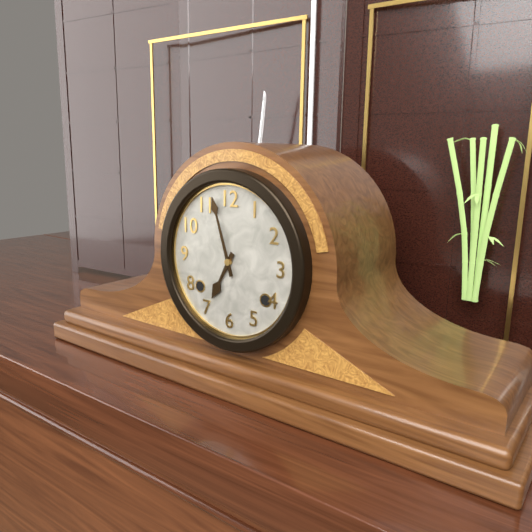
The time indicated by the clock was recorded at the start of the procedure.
6:57
